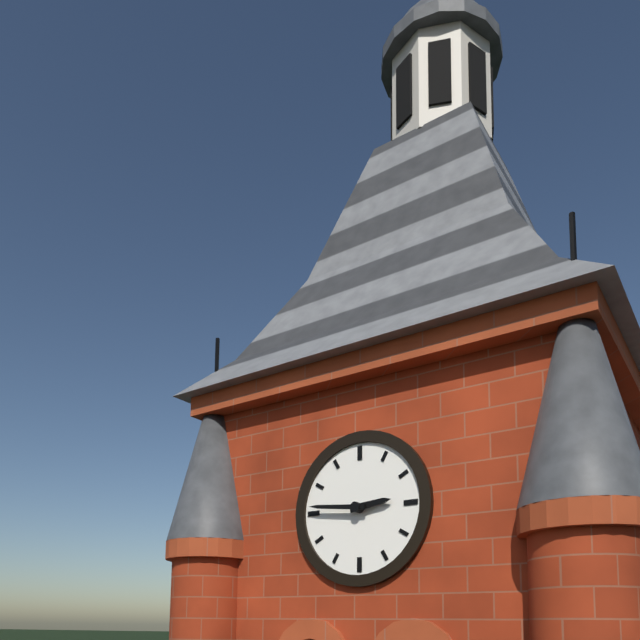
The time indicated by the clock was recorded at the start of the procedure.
2:46
